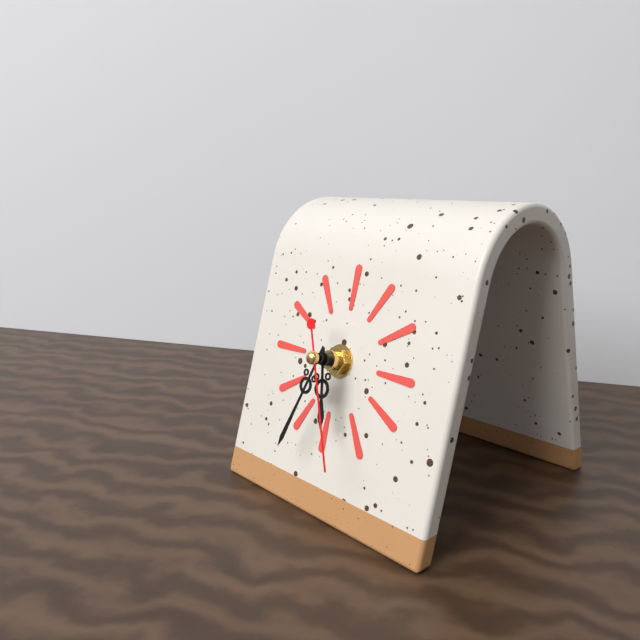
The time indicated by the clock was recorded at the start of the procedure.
5:33:26
